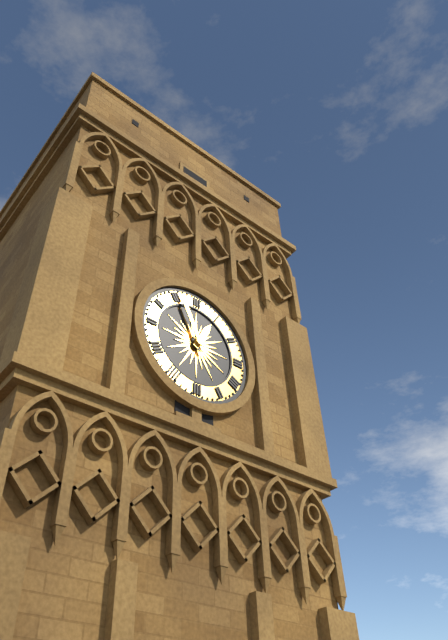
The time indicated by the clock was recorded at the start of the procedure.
12:56
